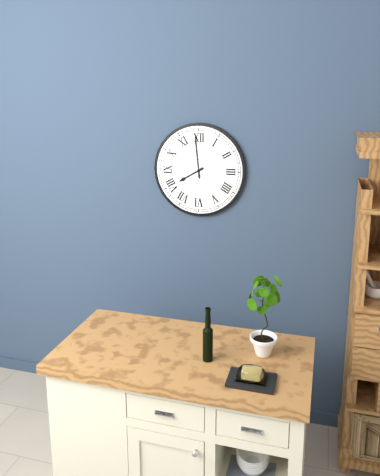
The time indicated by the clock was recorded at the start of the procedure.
7:59
